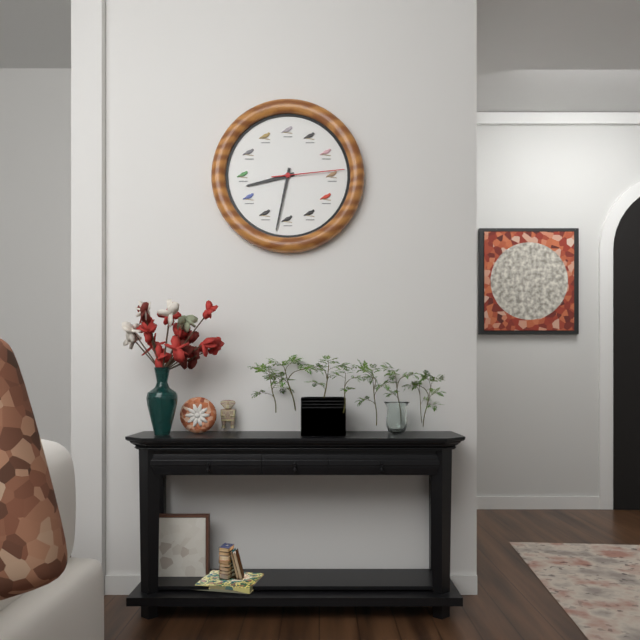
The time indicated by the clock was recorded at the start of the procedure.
8:32:14
